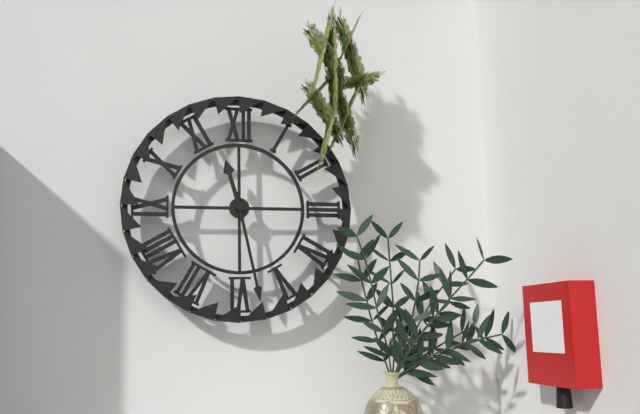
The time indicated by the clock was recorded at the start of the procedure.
11:28
